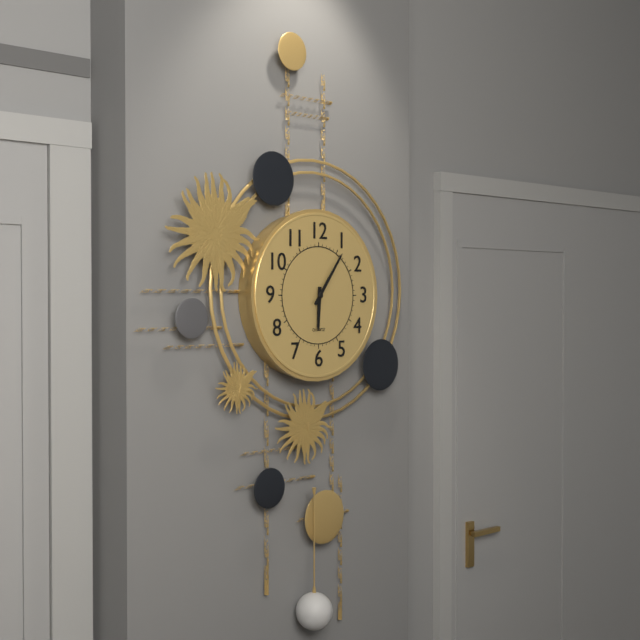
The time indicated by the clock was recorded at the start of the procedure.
6:06
